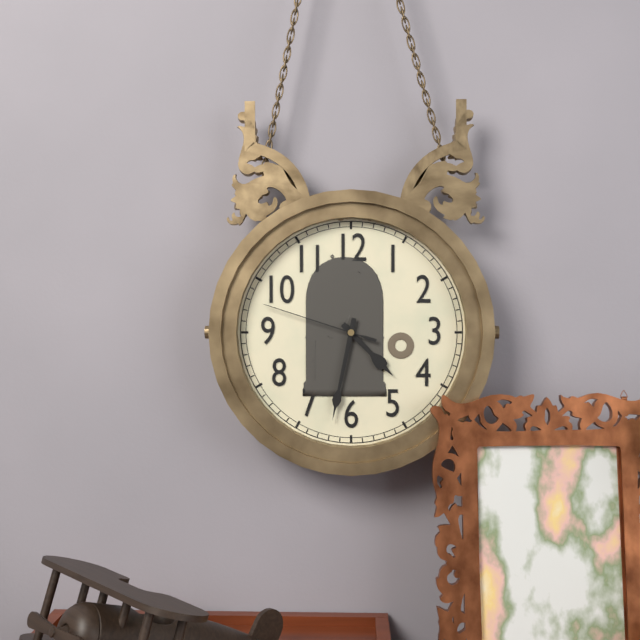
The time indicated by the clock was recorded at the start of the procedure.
4:32:48
